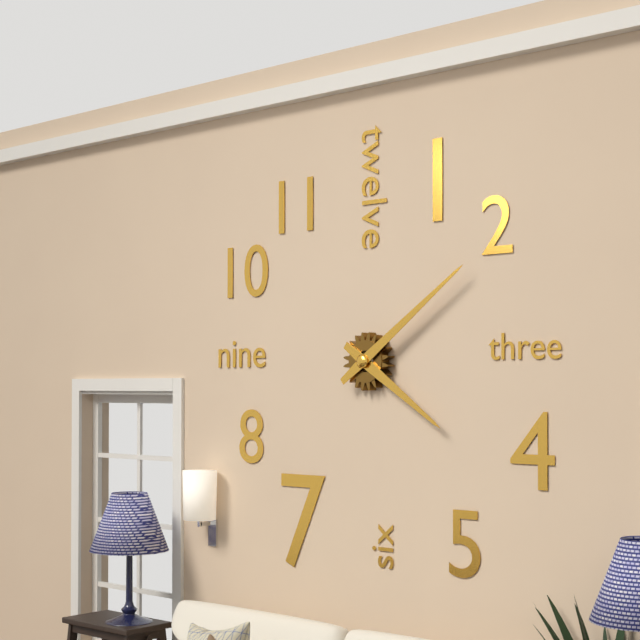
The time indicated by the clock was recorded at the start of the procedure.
4:09
